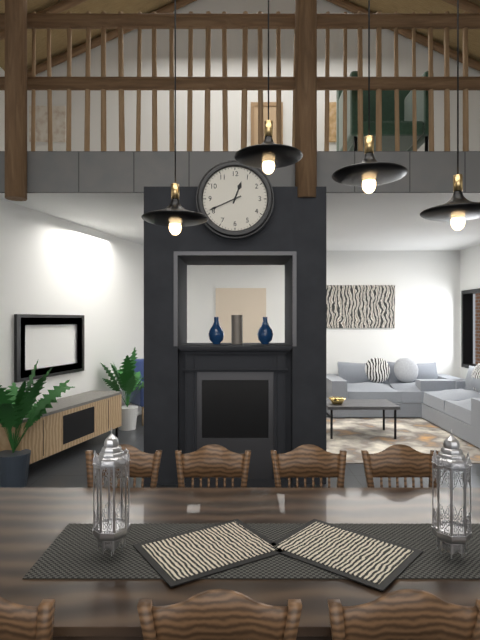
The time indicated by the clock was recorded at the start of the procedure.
12:41
